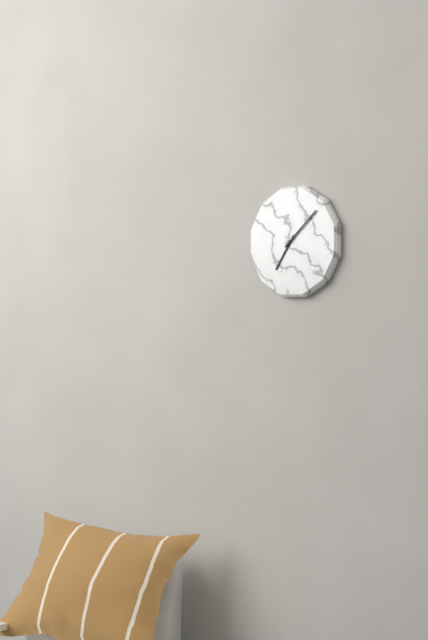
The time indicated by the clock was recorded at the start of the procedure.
7:08
